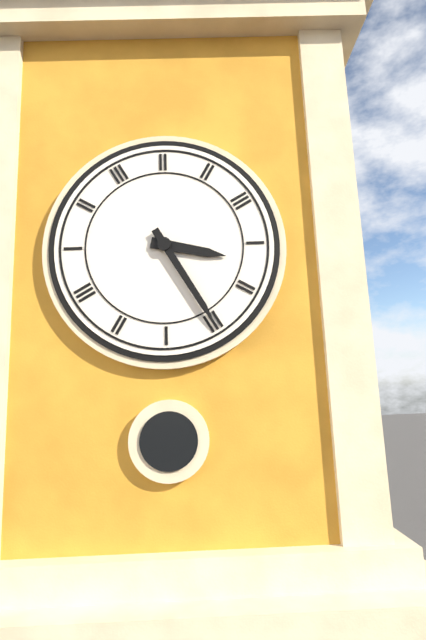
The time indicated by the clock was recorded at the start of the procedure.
3:25
